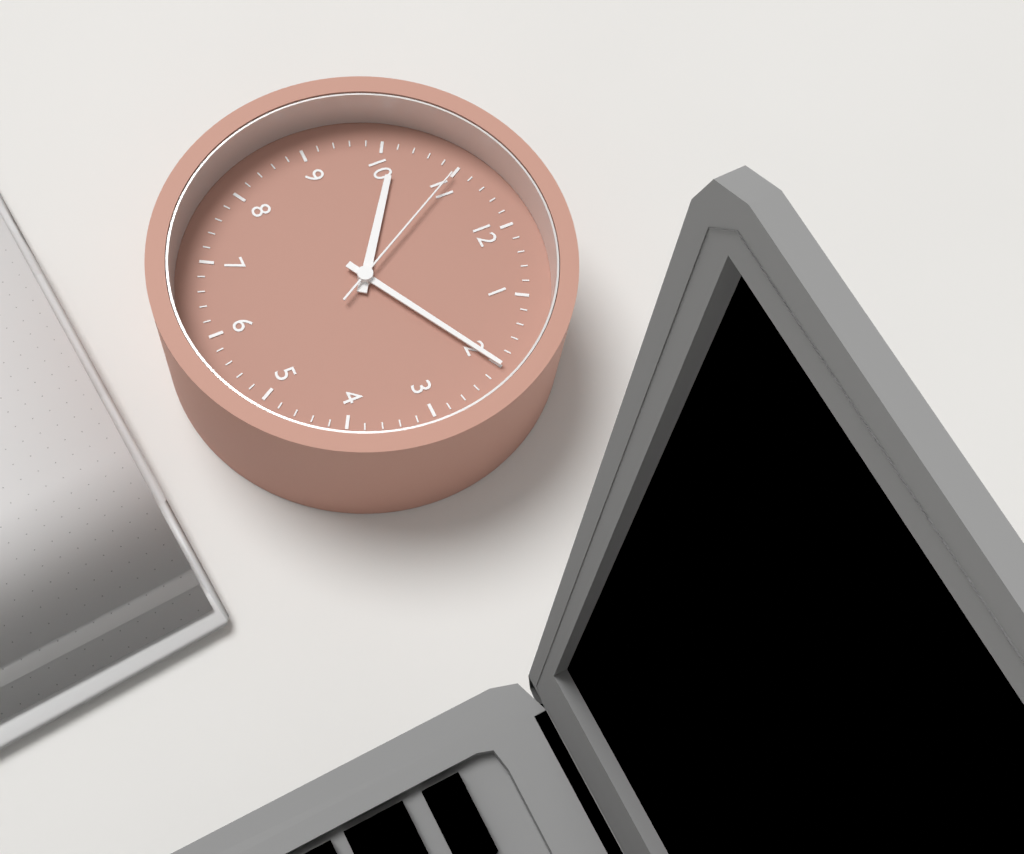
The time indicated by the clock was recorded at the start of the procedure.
10:10:55
